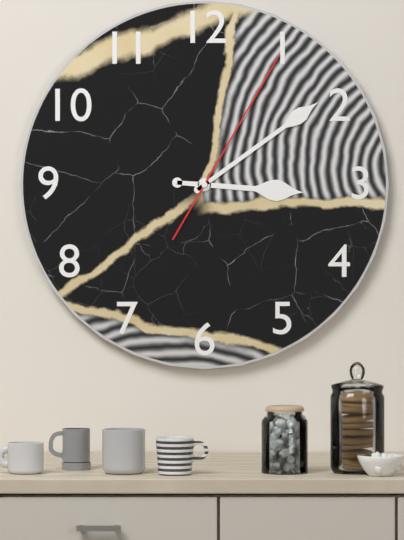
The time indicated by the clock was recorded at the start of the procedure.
3:09:05
